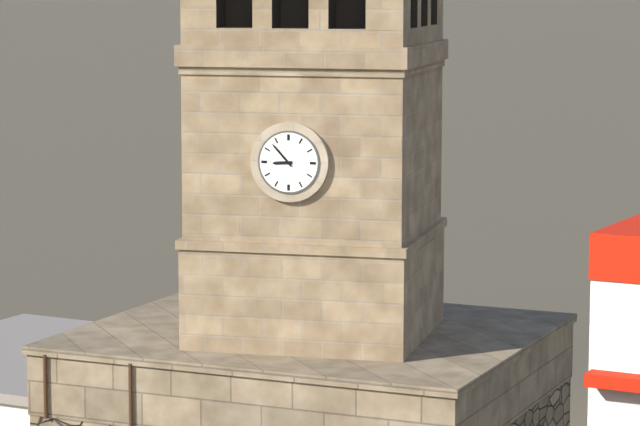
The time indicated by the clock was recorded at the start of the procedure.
8:53
